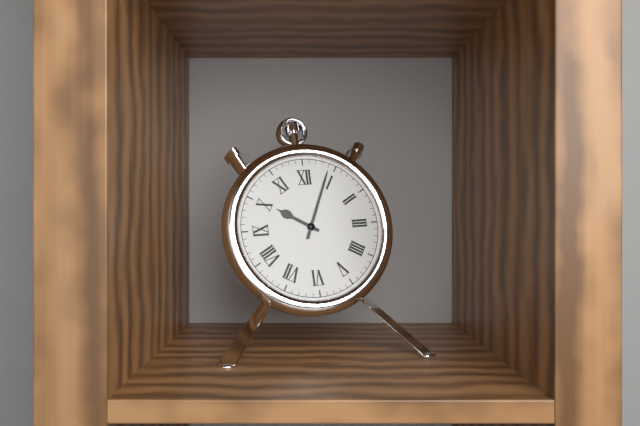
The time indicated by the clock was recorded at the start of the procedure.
10:04
